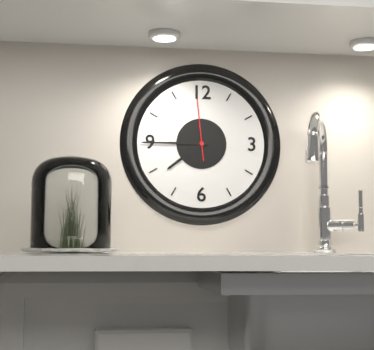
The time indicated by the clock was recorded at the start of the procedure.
7:45:59
